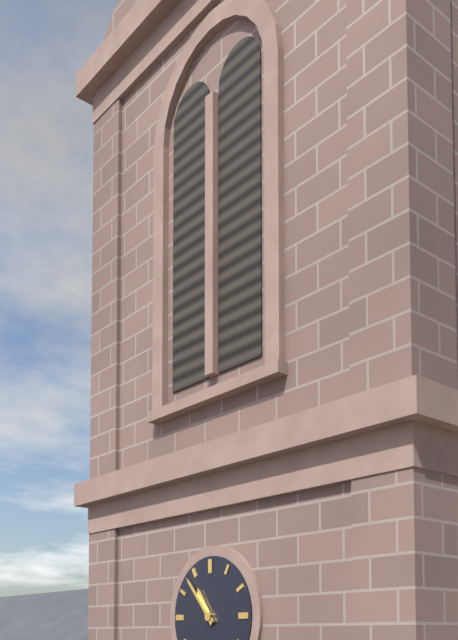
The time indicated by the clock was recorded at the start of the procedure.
10:53
